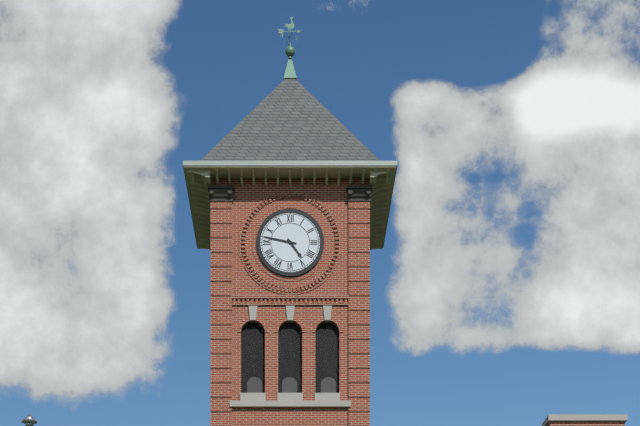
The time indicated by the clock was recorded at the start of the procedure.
4:47
